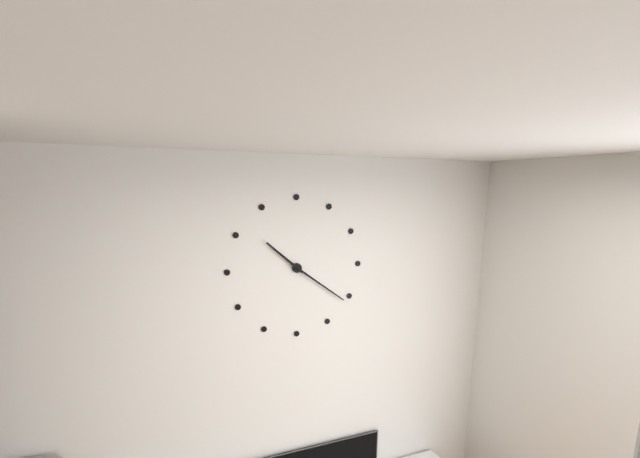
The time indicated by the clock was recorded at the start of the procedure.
10:21
